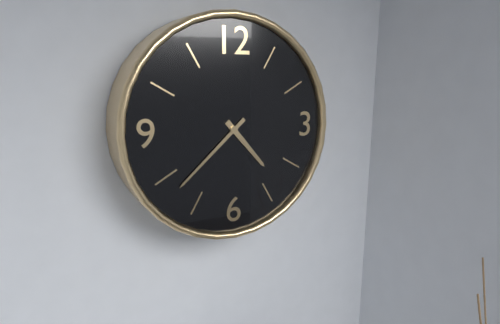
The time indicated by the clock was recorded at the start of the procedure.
4:38
